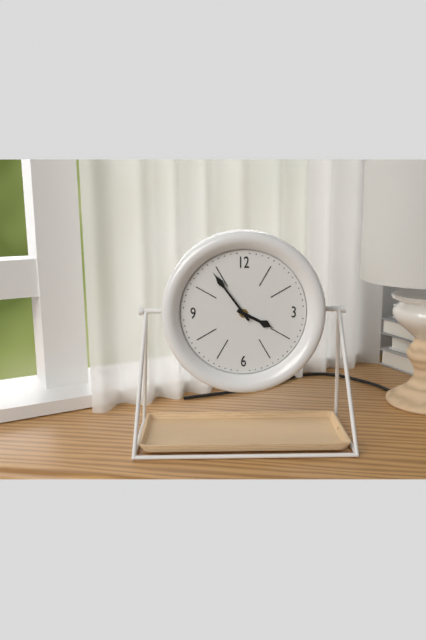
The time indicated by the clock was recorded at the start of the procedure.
3:54
